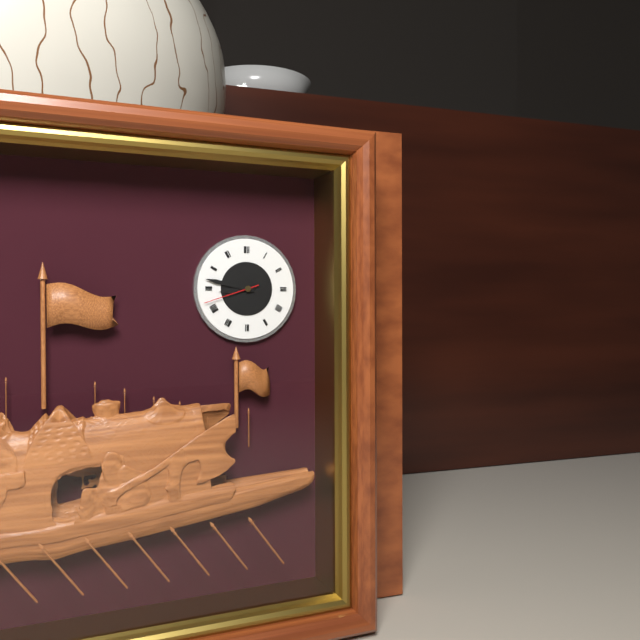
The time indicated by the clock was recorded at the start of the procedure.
8:47:42
